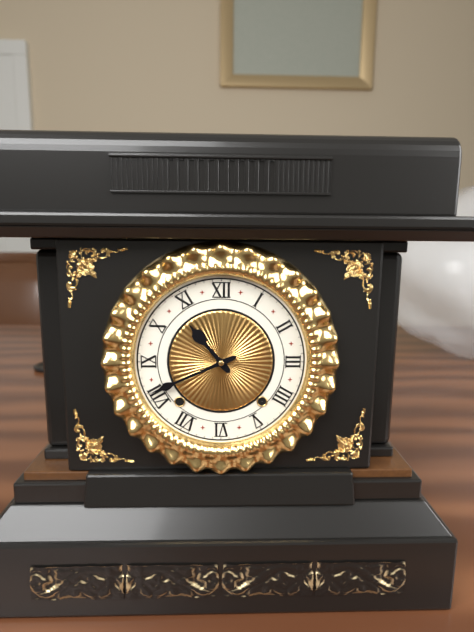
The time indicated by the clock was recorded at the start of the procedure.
10:41
